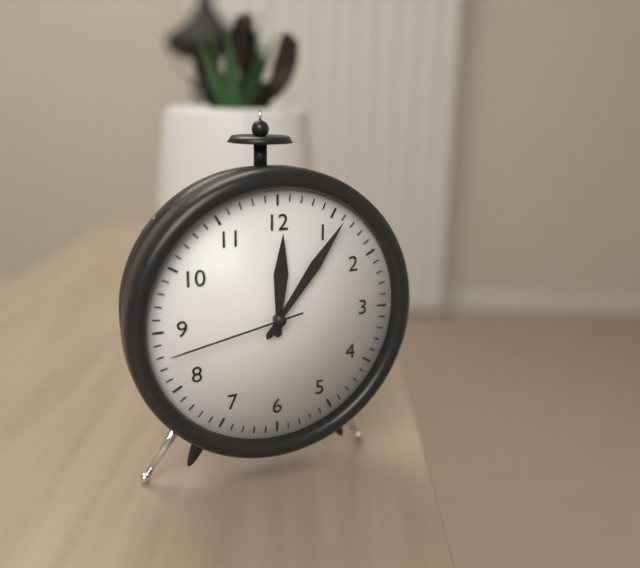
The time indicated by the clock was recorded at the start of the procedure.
12:06:43
